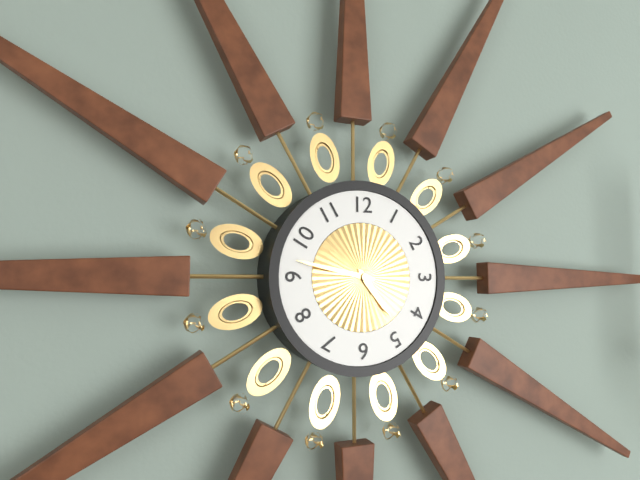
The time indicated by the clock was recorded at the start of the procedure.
4:47
